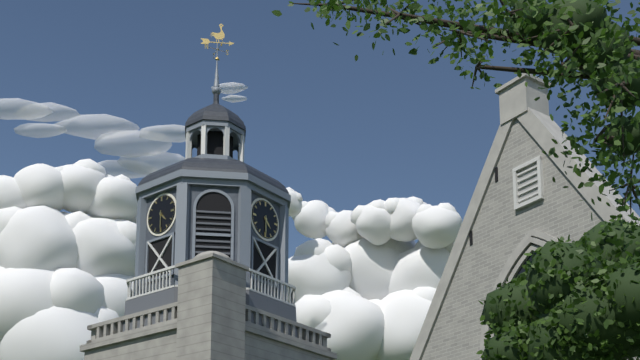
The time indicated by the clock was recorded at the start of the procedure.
4:30
